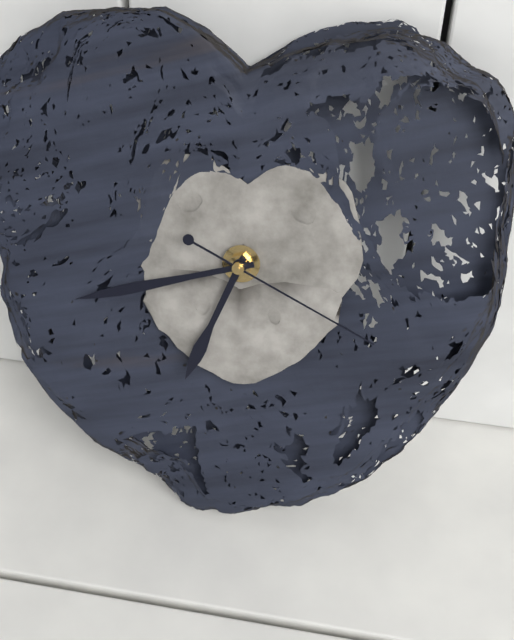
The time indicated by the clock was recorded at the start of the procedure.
6:42:19
